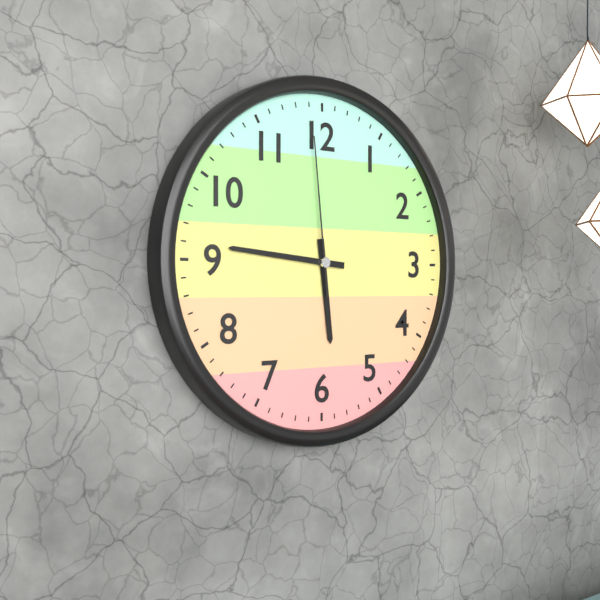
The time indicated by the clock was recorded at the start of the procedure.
5:46:59
